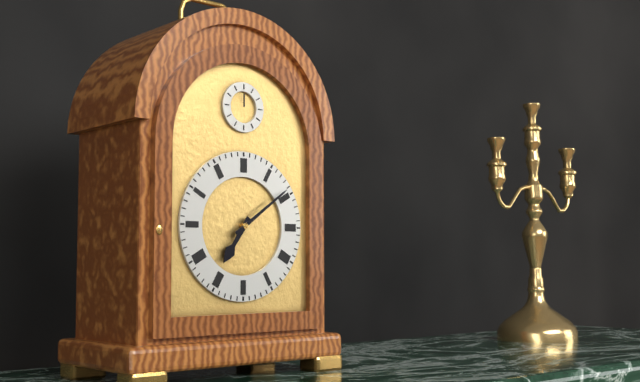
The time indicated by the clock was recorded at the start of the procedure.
7:09
